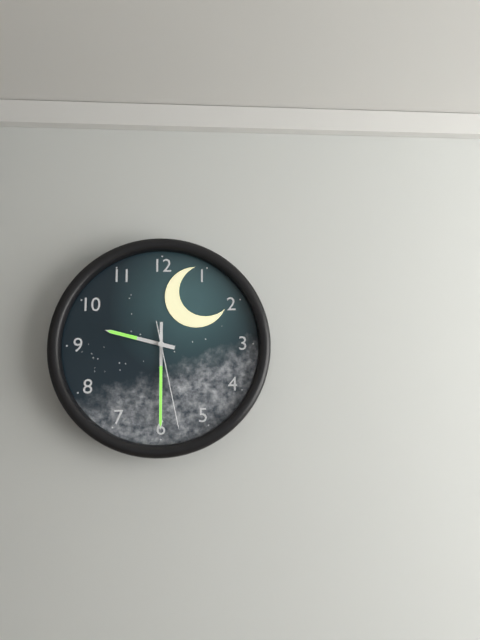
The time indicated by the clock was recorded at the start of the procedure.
9:30:28
